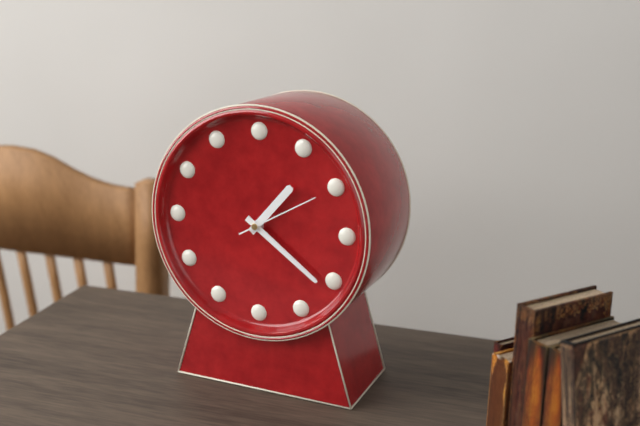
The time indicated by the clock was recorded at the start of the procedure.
1:21:10
